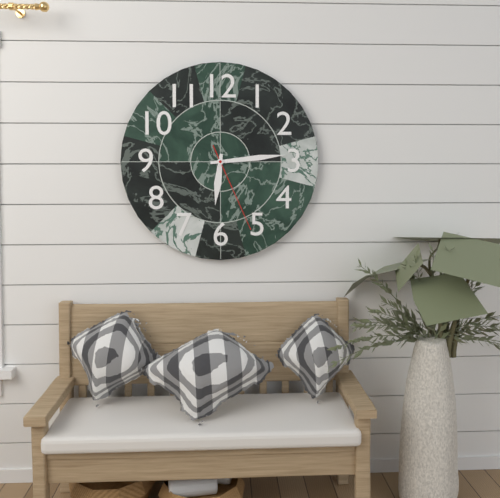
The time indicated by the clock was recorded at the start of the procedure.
6:14:26
